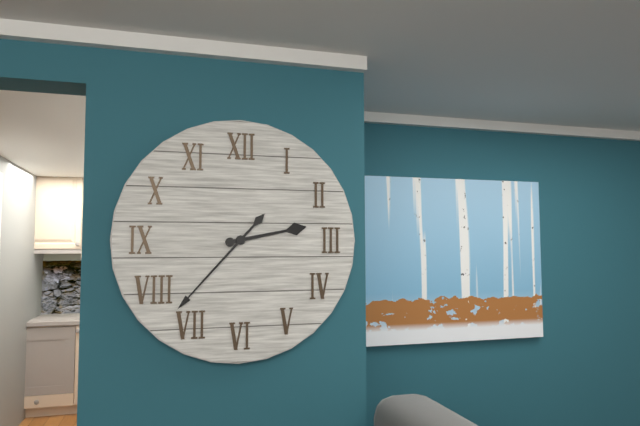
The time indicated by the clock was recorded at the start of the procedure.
2:37
